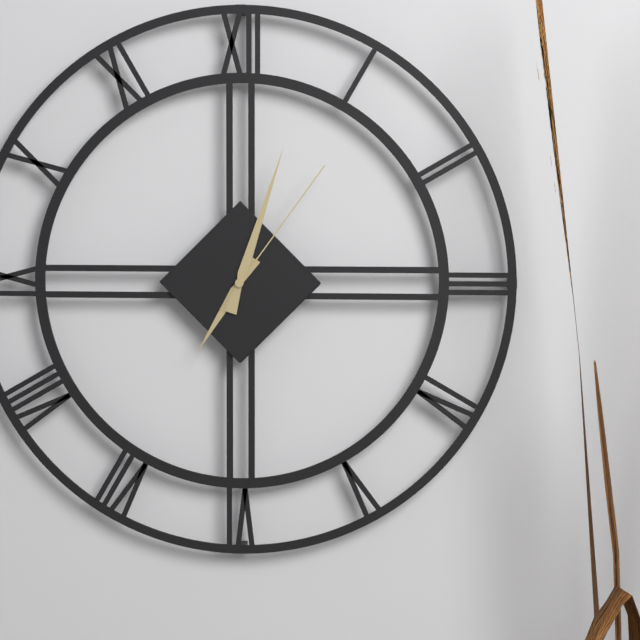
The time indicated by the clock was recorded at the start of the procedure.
7:03:06
